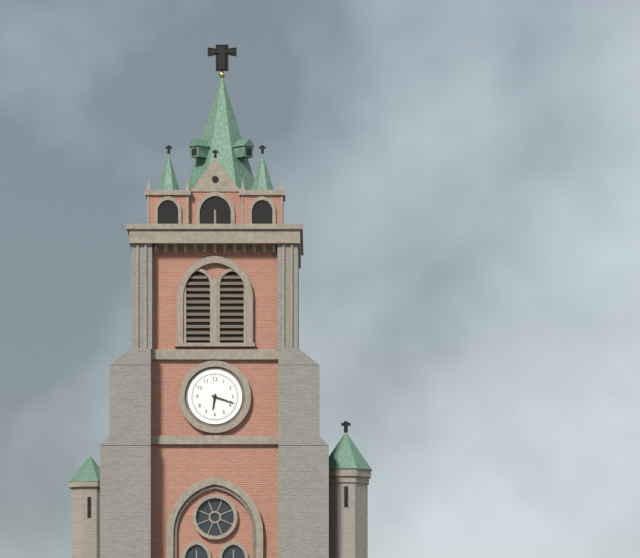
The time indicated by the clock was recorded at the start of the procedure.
6:18
